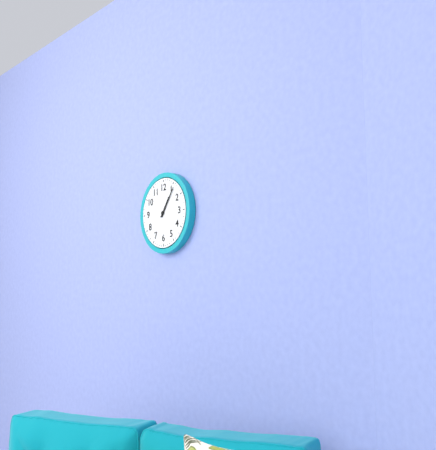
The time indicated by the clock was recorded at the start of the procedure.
1:06
